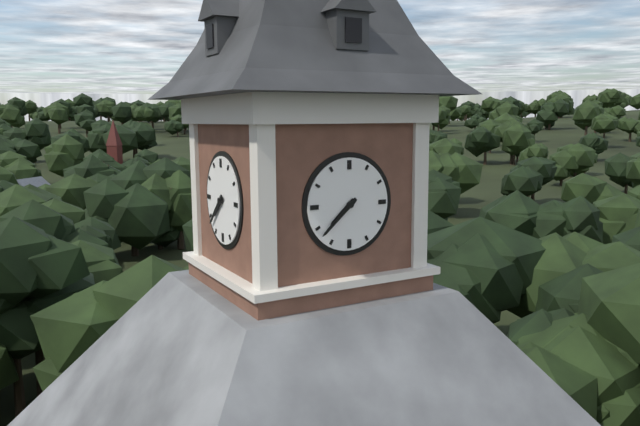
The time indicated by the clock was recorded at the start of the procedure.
7:38
